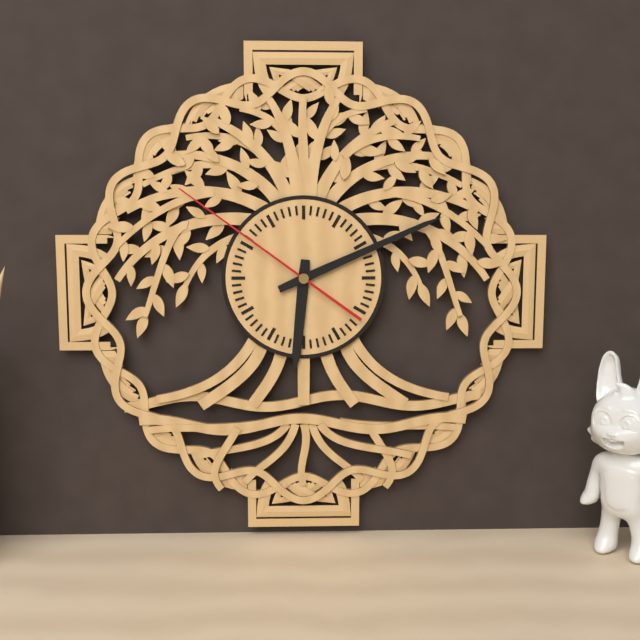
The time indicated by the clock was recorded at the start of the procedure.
6:11:51
